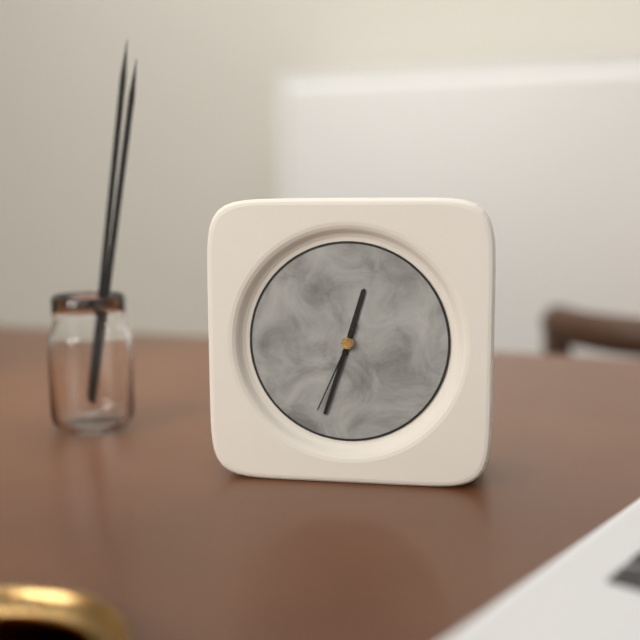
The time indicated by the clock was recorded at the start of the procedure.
12:33:34
